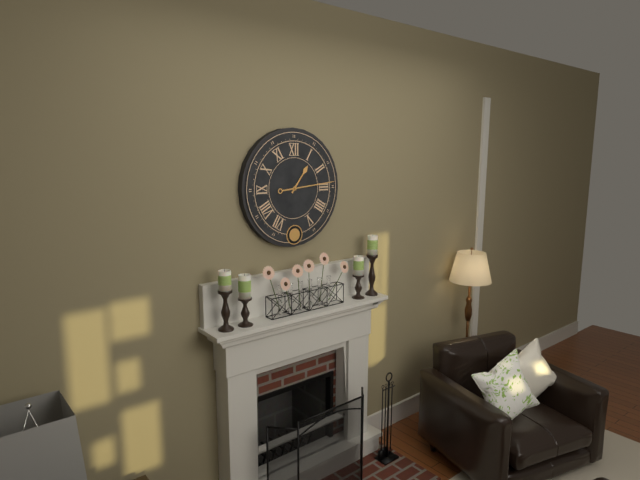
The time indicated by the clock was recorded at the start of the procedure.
1:14
